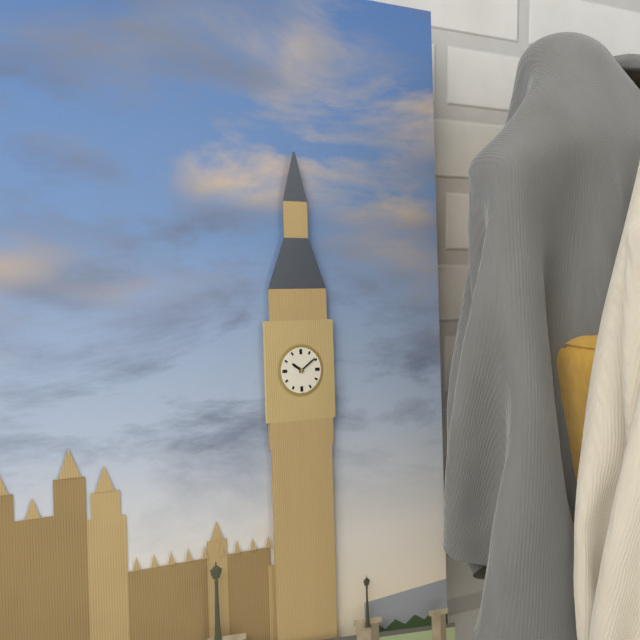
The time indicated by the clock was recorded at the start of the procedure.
10:09
